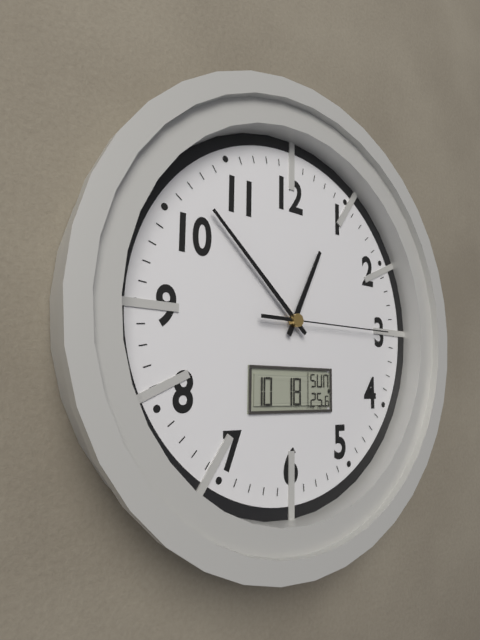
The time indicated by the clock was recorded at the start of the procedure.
12:52:15
